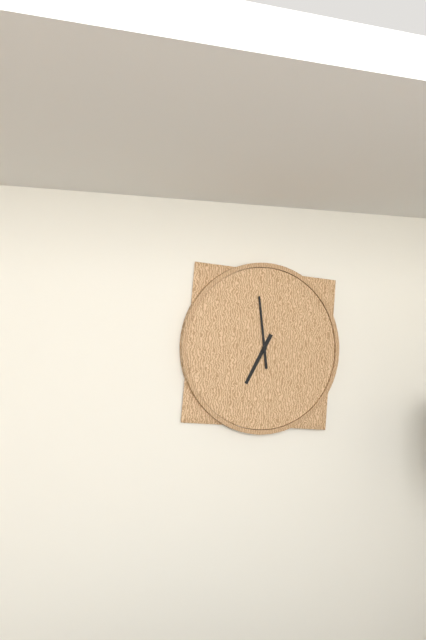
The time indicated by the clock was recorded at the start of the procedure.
6:59
